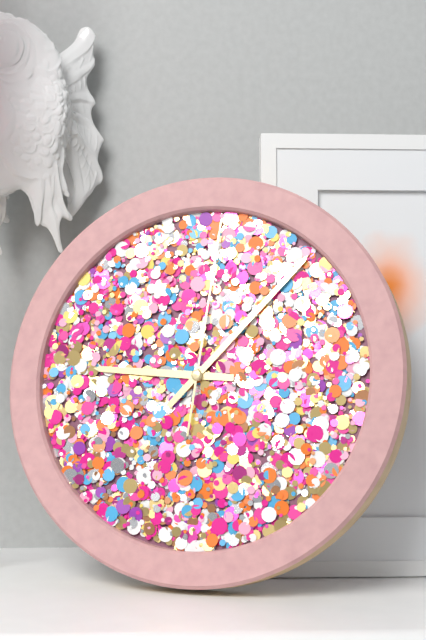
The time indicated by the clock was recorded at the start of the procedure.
9:07:01
